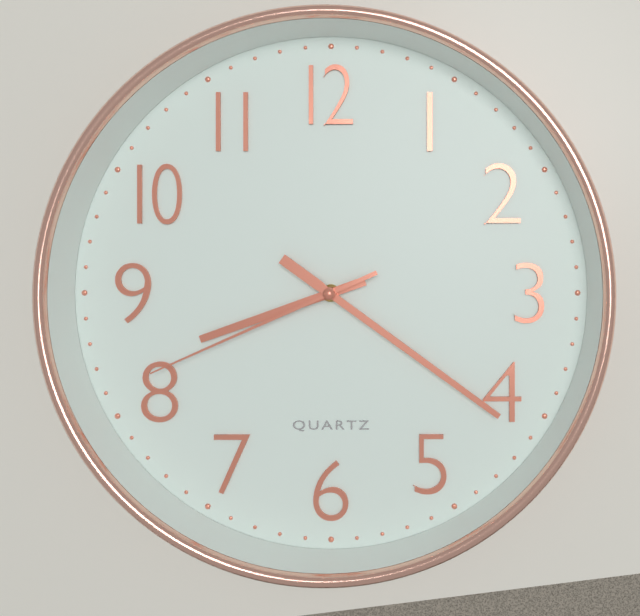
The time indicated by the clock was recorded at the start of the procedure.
8:21:41
